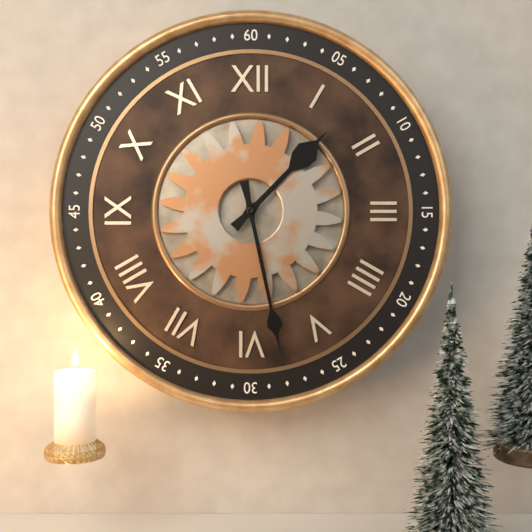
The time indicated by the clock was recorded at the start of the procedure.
1:28
